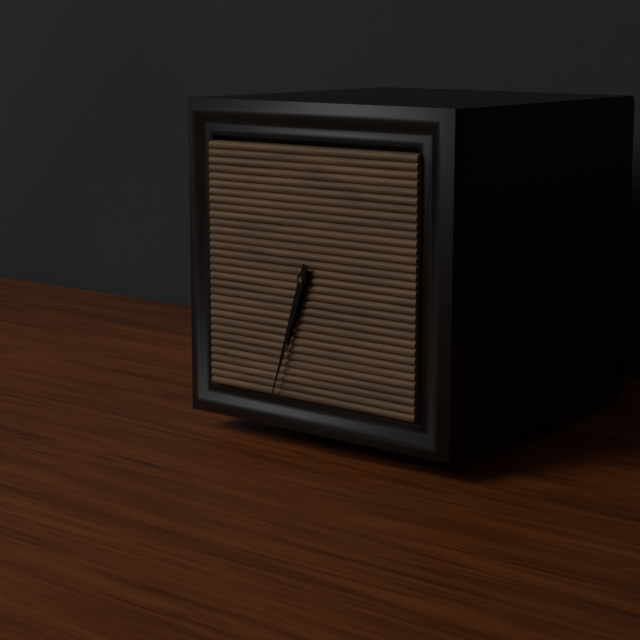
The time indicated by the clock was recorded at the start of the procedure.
6:33
